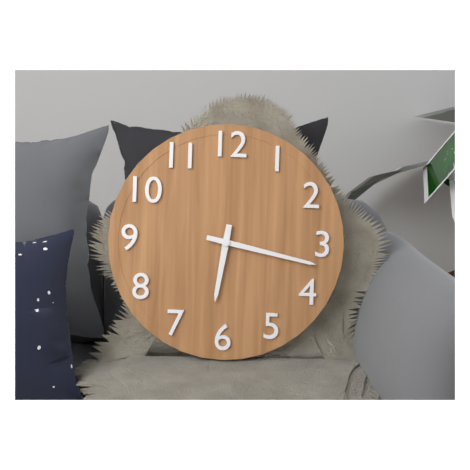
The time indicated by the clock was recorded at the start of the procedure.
6:17
